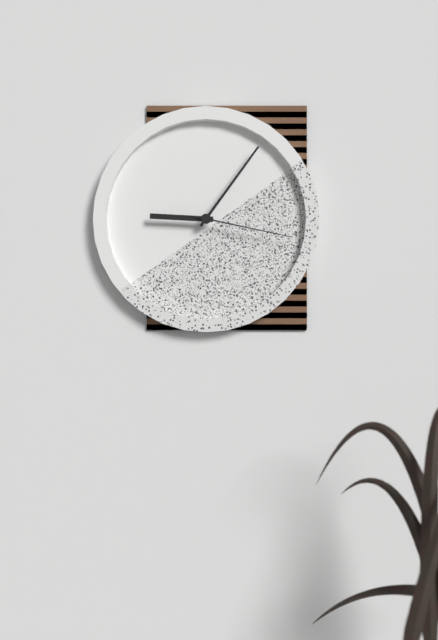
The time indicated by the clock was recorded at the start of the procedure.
9:06:17
